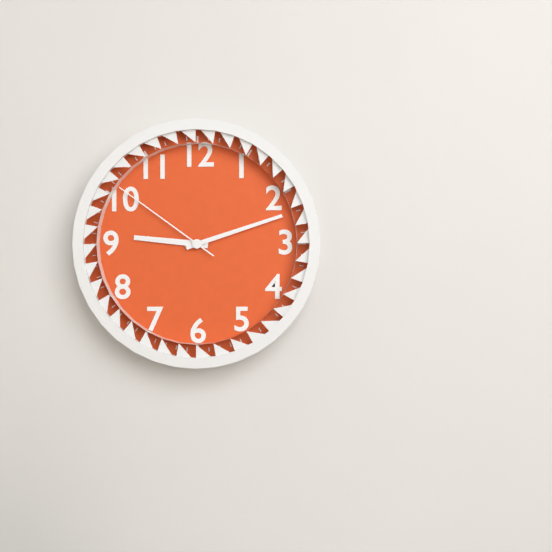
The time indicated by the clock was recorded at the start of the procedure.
9:12:51
